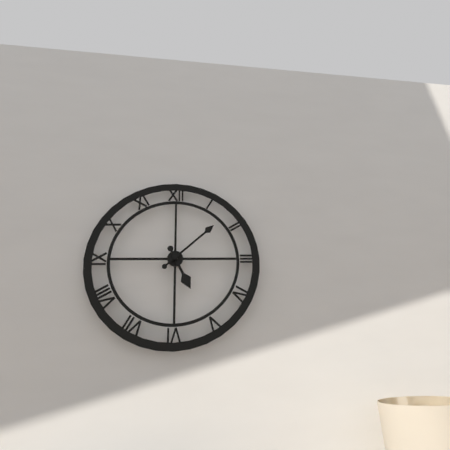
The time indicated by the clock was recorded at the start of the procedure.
5:08
